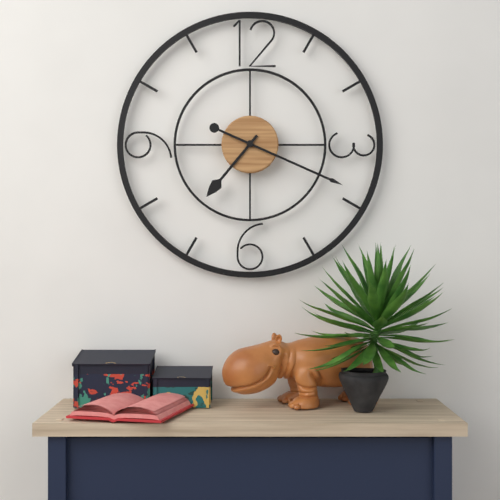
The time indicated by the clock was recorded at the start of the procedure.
7:19
